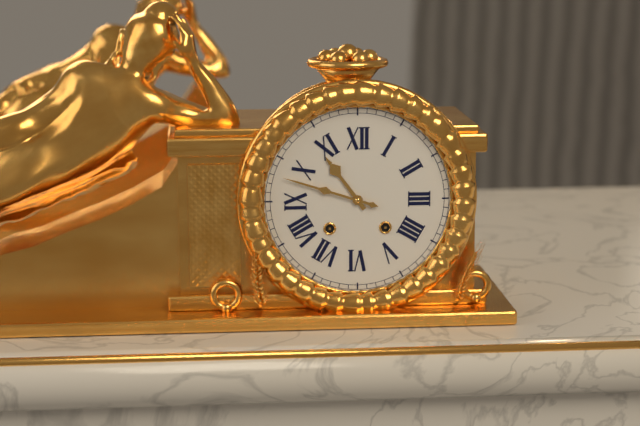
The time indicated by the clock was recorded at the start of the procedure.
10:48
